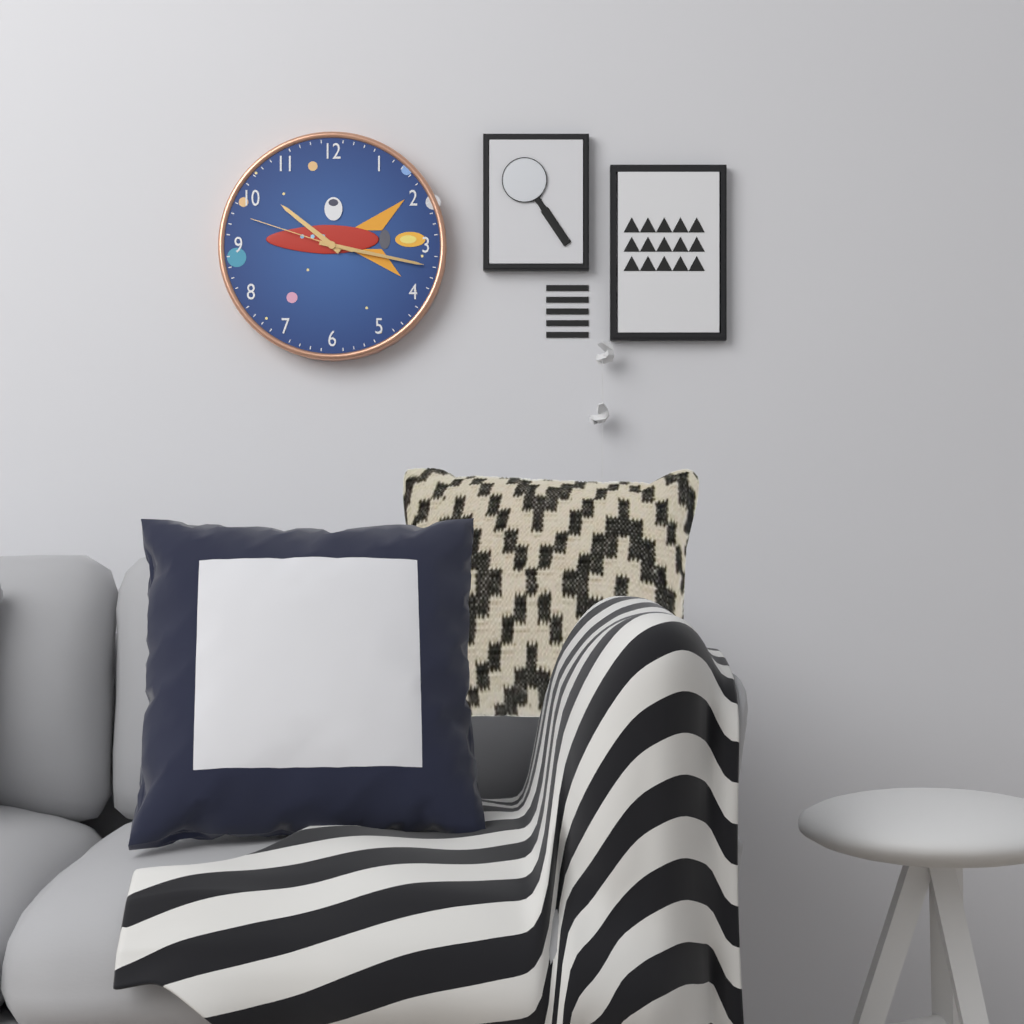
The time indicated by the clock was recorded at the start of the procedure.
10:17:48
